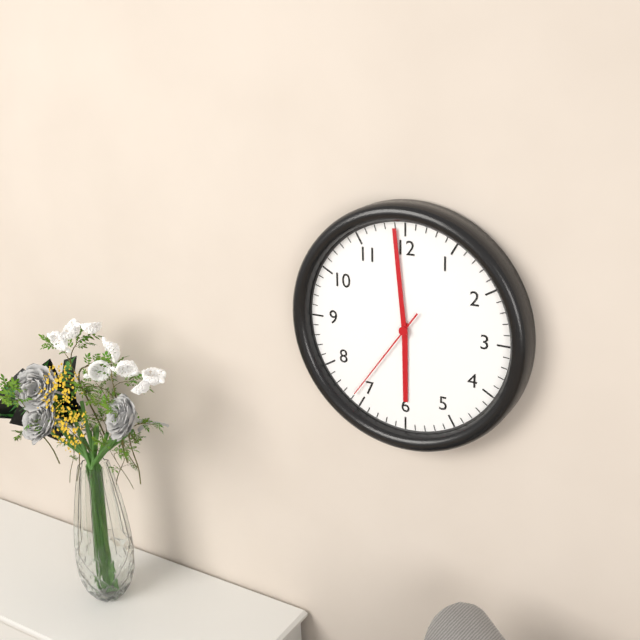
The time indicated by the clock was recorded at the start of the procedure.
5:59:36
